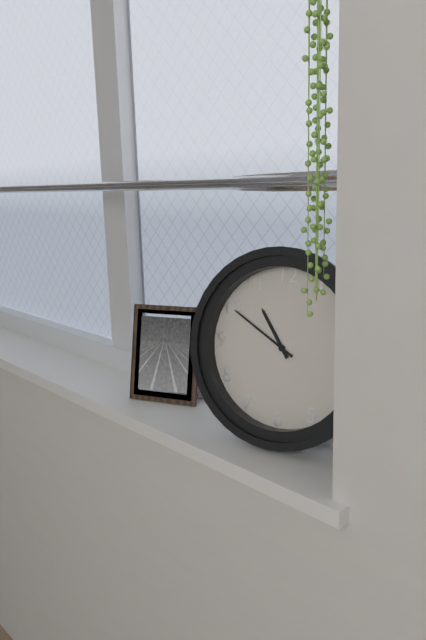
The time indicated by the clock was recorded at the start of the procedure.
10:50
